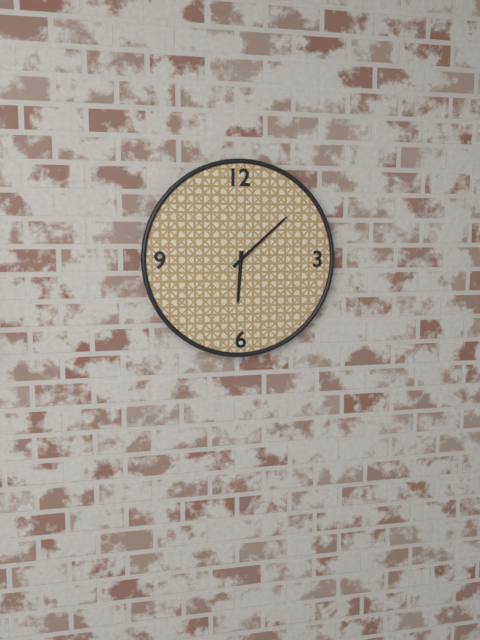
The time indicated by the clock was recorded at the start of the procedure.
6:08
